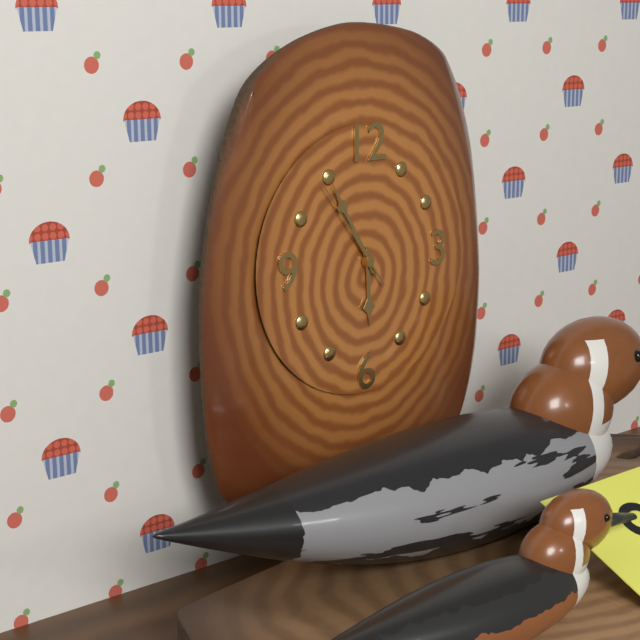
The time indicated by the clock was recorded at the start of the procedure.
5:55:54
